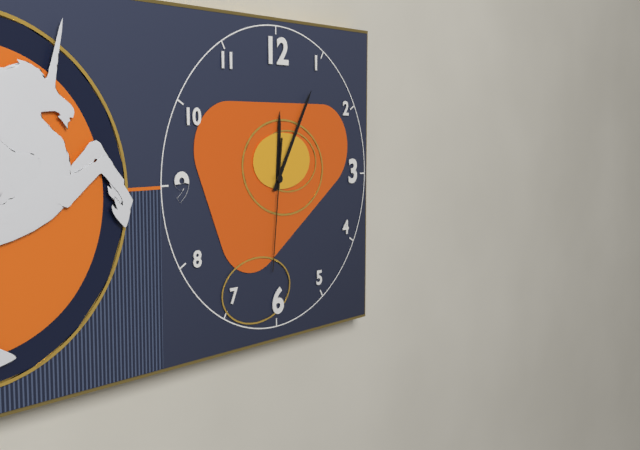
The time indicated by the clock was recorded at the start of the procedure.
12:05:31
